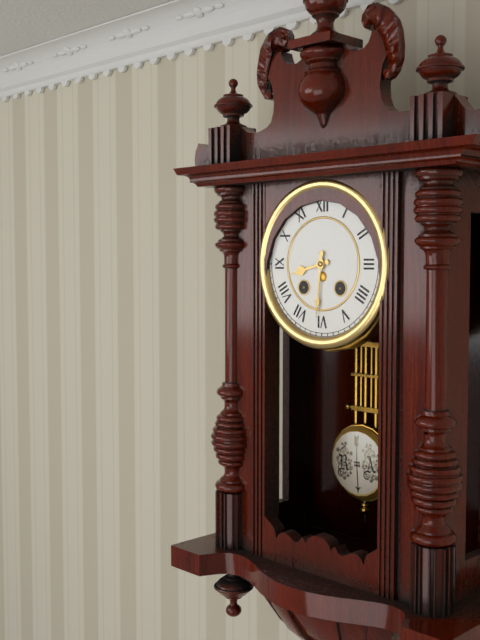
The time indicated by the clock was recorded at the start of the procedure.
8:31
